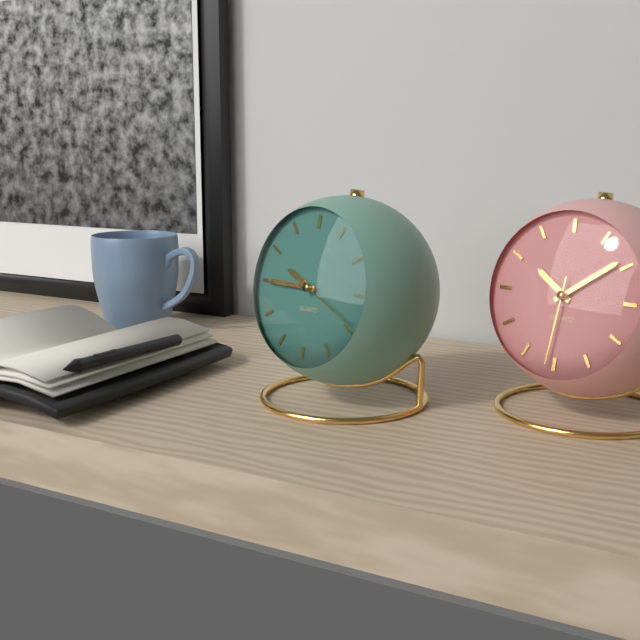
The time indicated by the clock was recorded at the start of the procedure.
9:45:19
